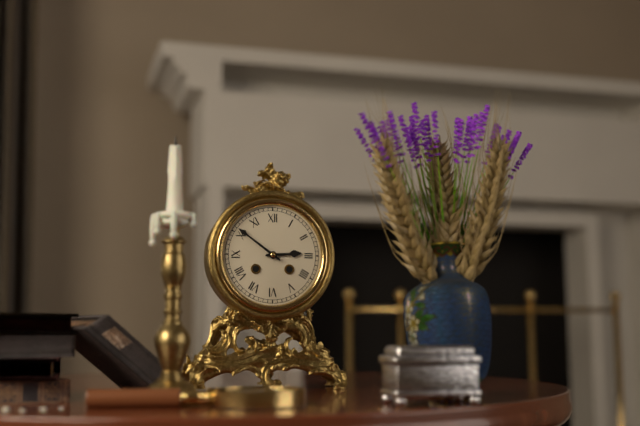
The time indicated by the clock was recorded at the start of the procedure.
2:51
